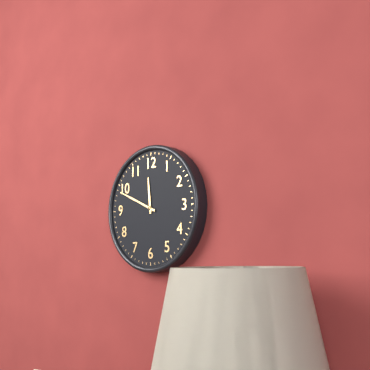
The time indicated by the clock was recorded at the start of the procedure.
11:49
